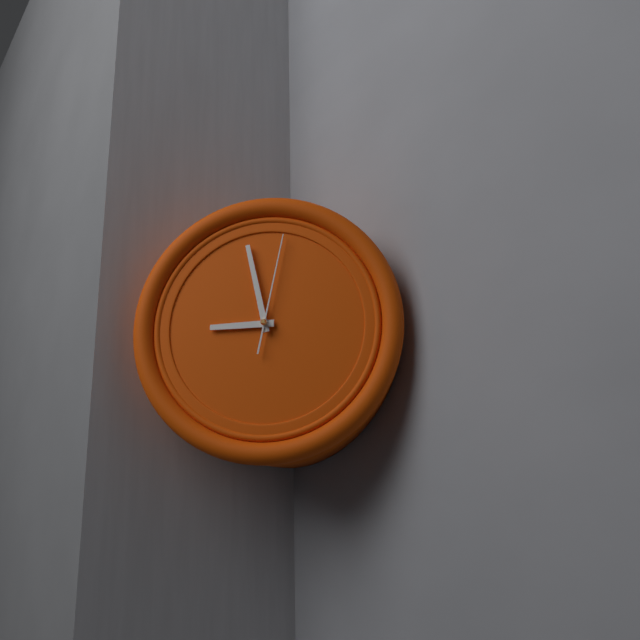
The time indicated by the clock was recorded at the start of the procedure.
8:58:02
